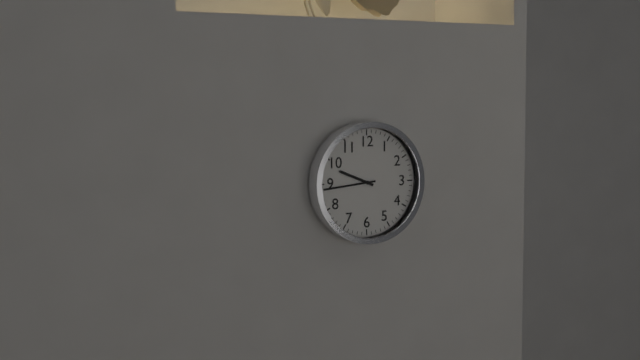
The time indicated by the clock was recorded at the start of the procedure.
9:44
